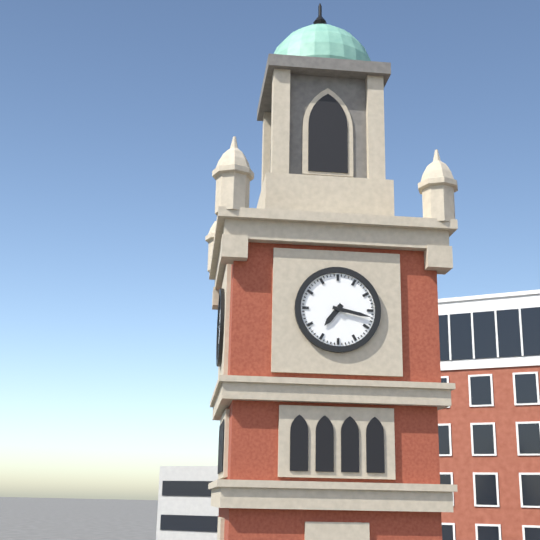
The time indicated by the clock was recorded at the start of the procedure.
7:17
